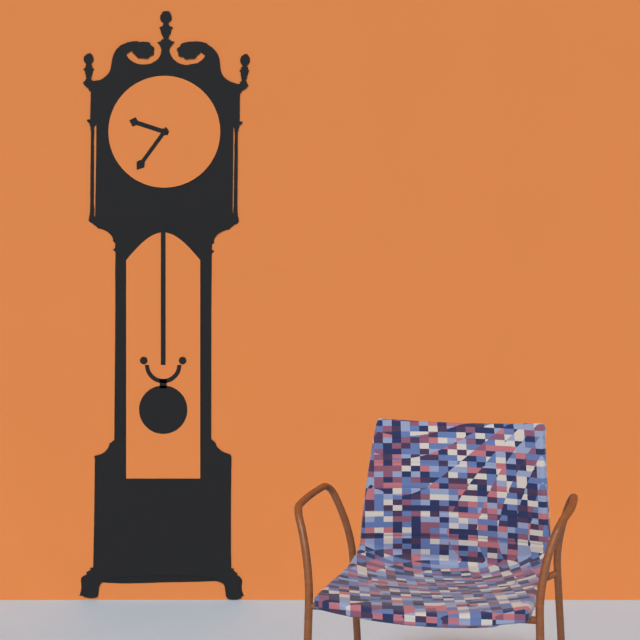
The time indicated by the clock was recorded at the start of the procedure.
9:36
